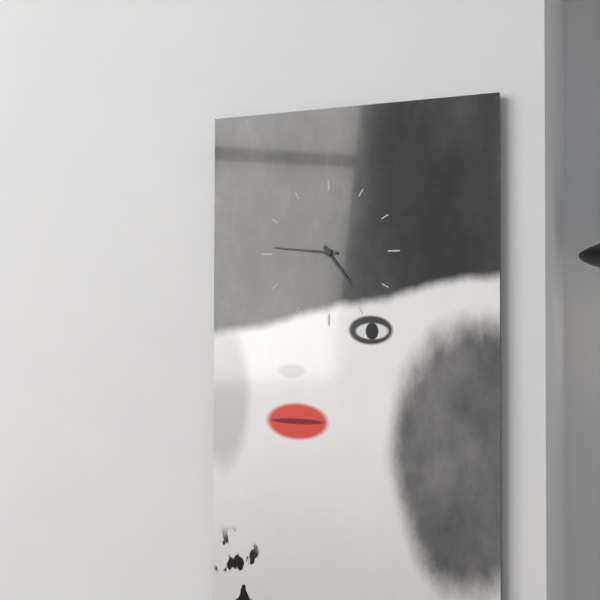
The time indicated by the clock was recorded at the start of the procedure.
4:46
